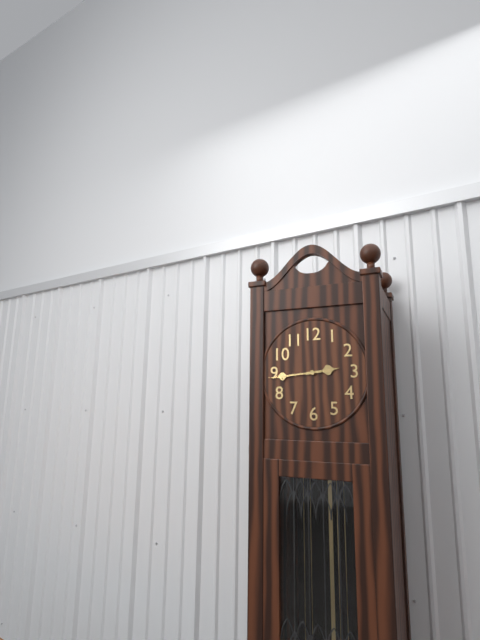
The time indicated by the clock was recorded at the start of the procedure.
2:44
